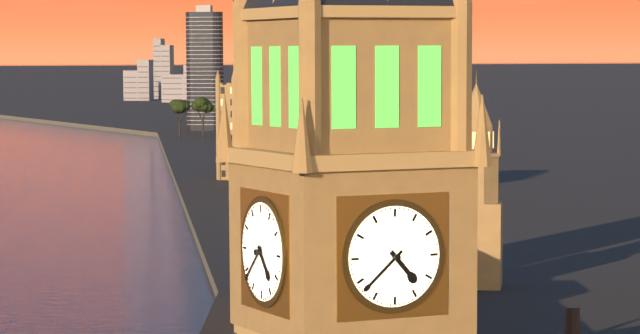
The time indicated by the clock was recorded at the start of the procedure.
4:38
